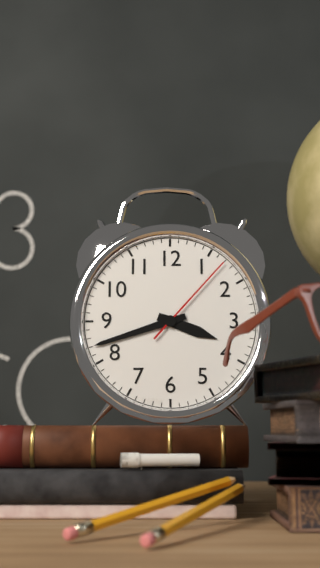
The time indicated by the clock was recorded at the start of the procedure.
3:42:07
